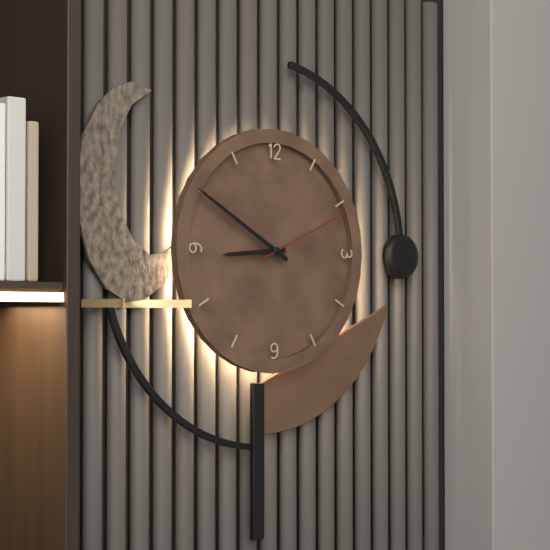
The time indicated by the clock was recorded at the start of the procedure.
8:50:11
